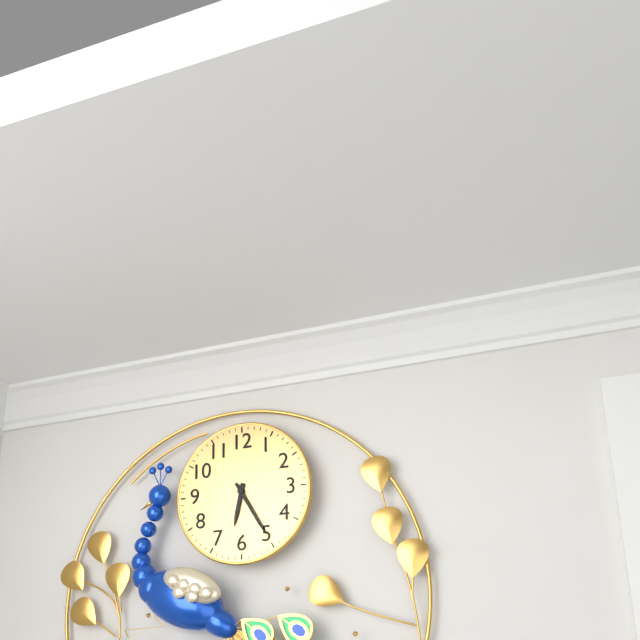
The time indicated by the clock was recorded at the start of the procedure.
6:25
